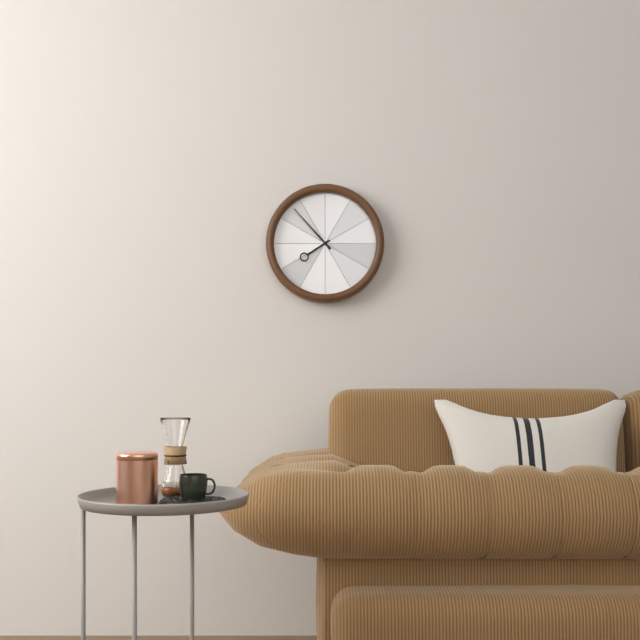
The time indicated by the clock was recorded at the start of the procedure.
7:53
